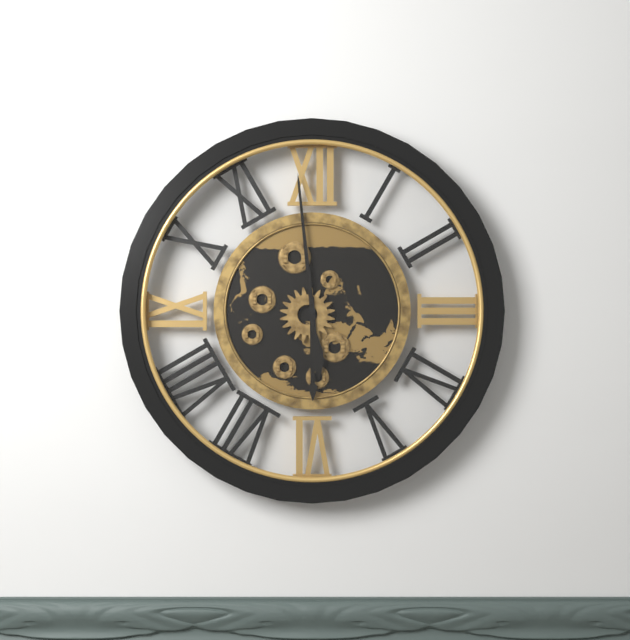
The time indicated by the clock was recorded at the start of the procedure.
5:59
